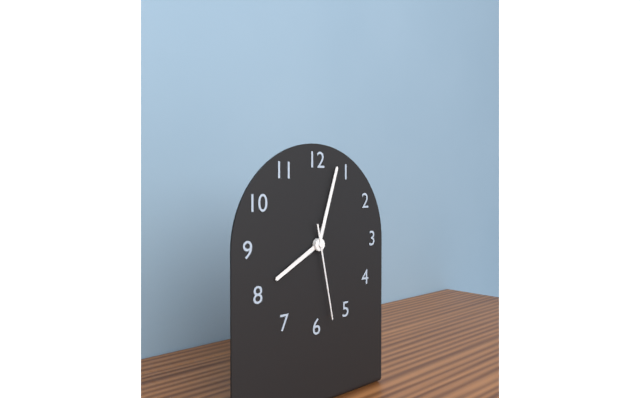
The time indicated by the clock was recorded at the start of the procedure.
8:03:28
